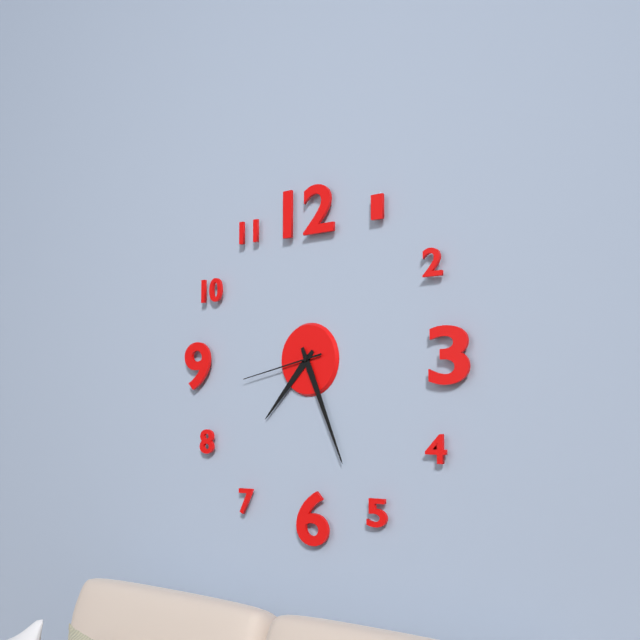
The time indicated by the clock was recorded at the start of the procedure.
7:26:43
